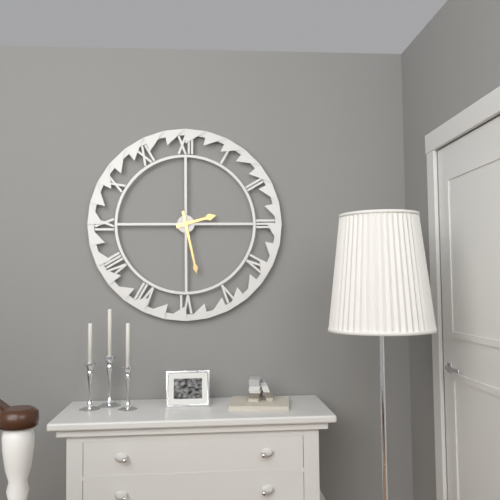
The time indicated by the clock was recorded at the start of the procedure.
2:28
